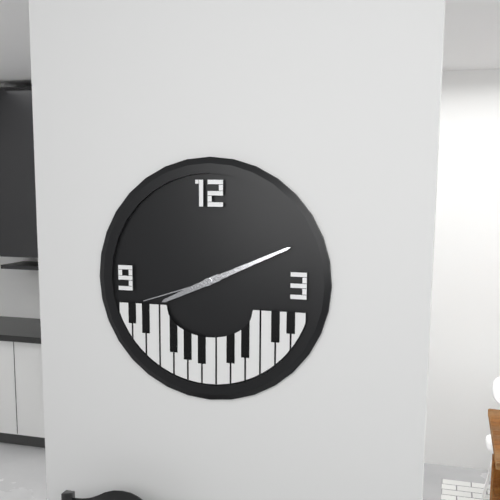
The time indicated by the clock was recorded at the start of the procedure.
8:11:42
